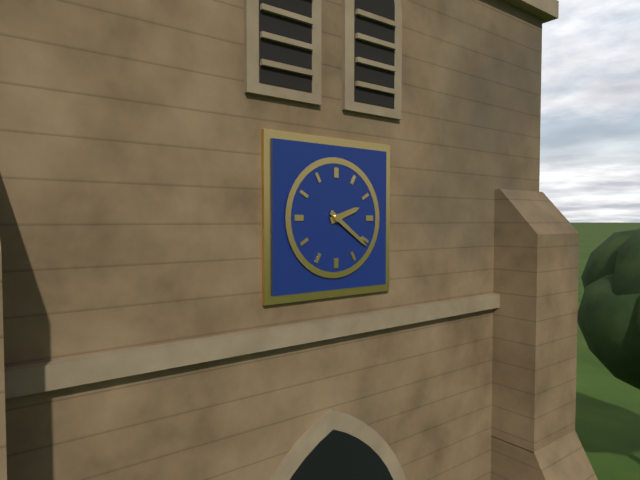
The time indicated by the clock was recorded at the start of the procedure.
2:21
